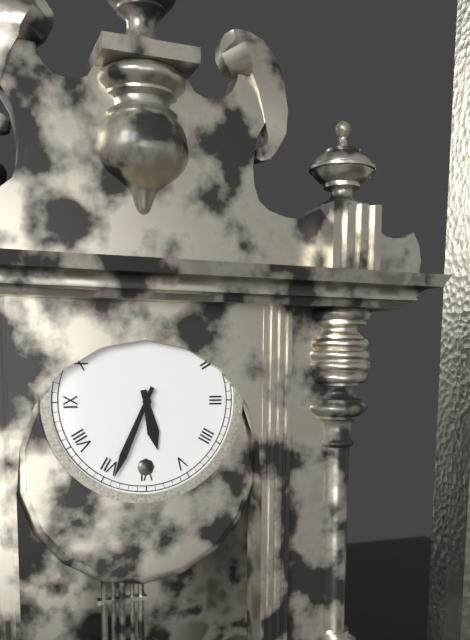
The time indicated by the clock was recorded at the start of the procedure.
5:34
